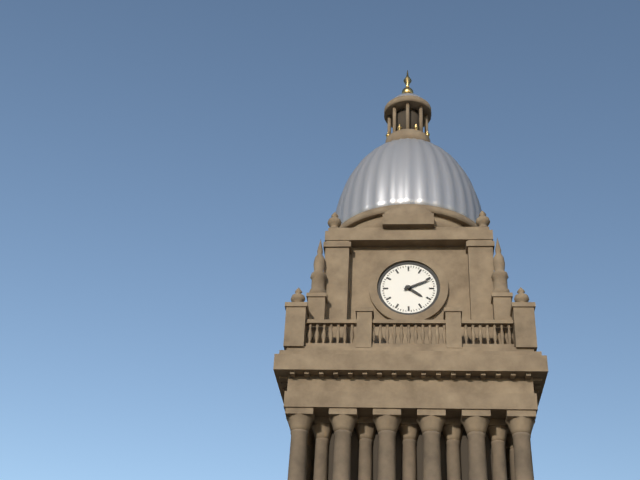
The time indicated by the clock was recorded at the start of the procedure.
4:11
